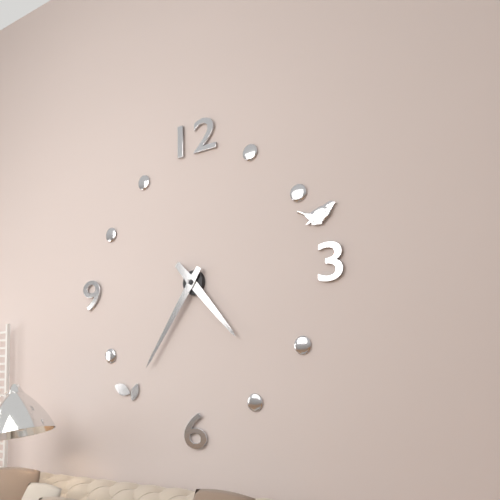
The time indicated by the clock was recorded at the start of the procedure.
4:36
